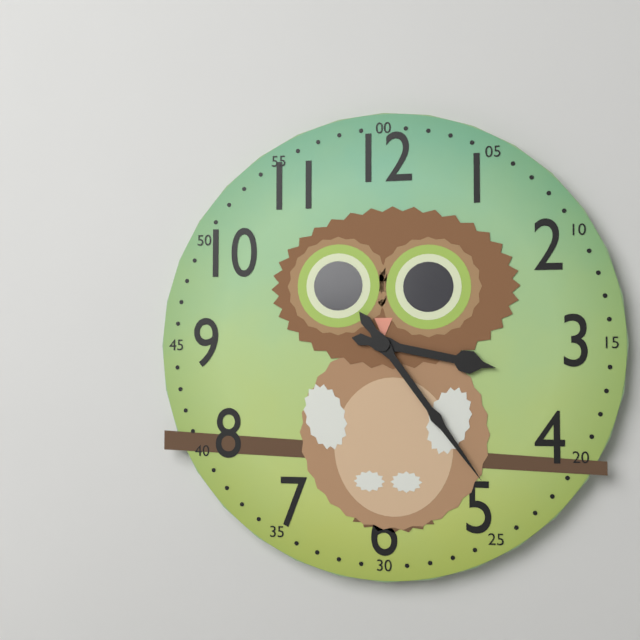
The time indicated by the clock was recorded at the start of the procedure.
3:24
